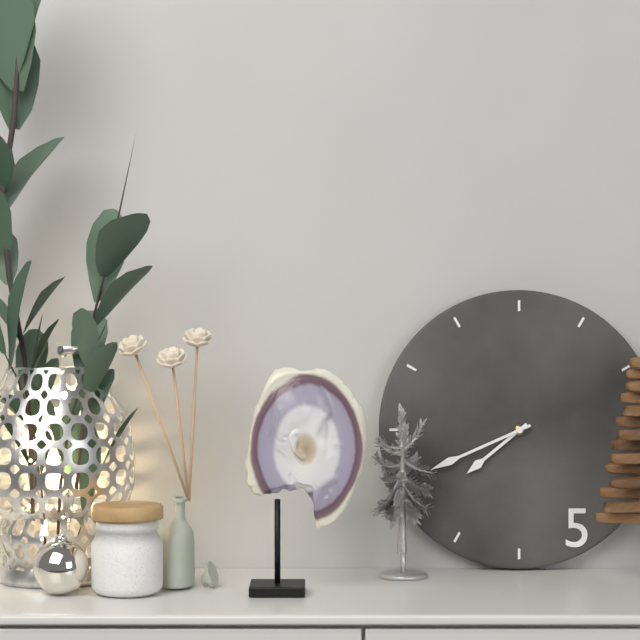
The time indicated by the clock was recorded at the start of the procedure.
7:41
